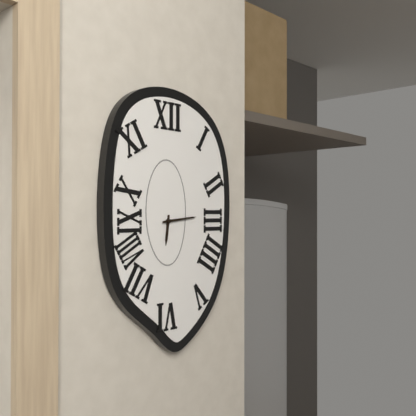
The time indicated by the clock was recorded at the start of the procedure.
6:14
